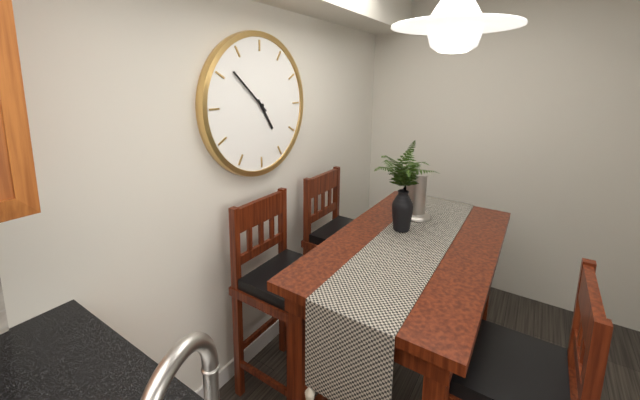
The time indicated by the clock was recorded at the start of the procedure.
4:52
